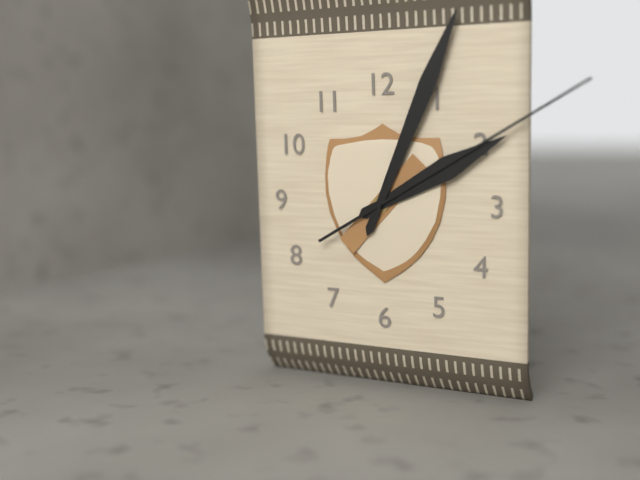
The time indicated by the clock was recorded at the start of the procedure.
2:04:10
